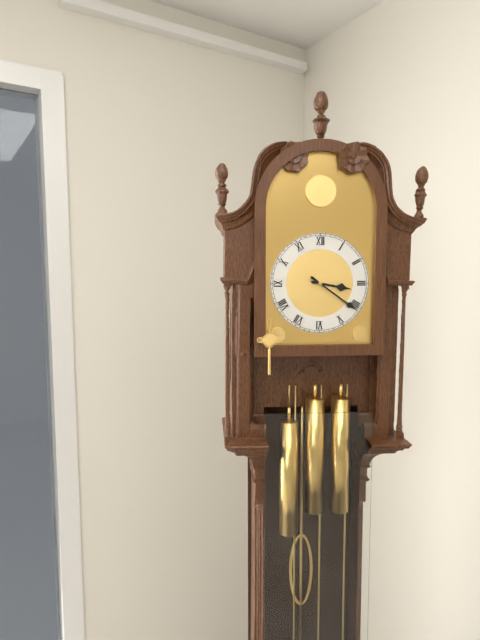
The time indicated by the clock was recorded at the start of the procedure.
3:21
